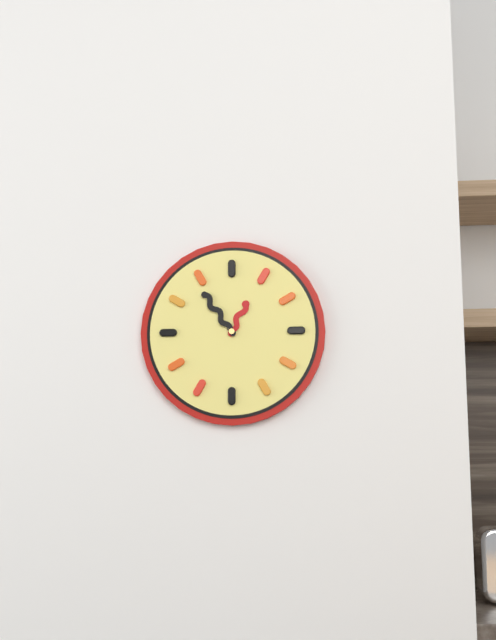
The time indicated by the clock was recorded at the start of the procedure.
12:54
